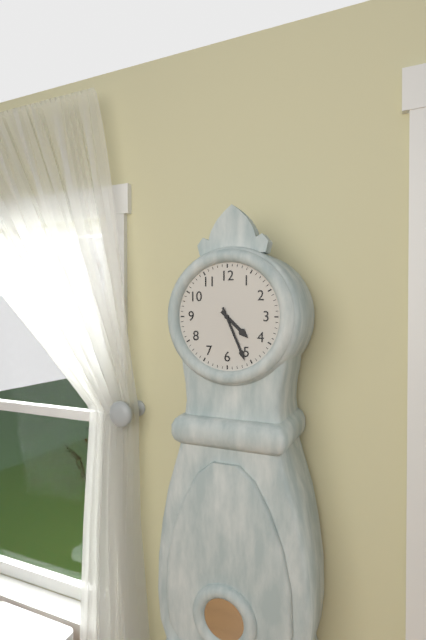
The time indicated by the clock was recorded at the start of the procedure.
4:26
